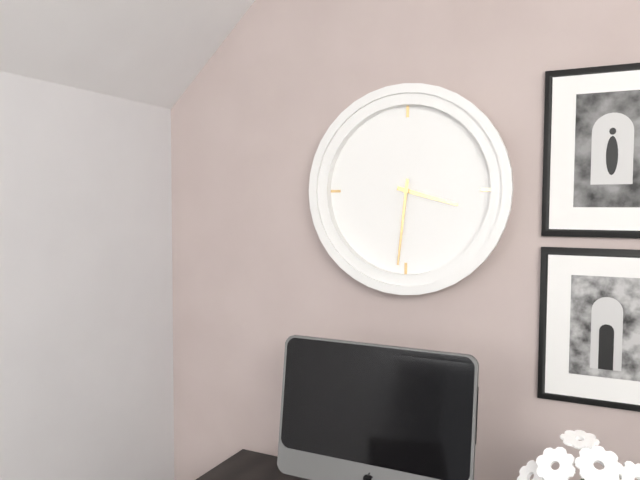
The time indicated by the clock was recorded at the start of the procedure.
3:31
